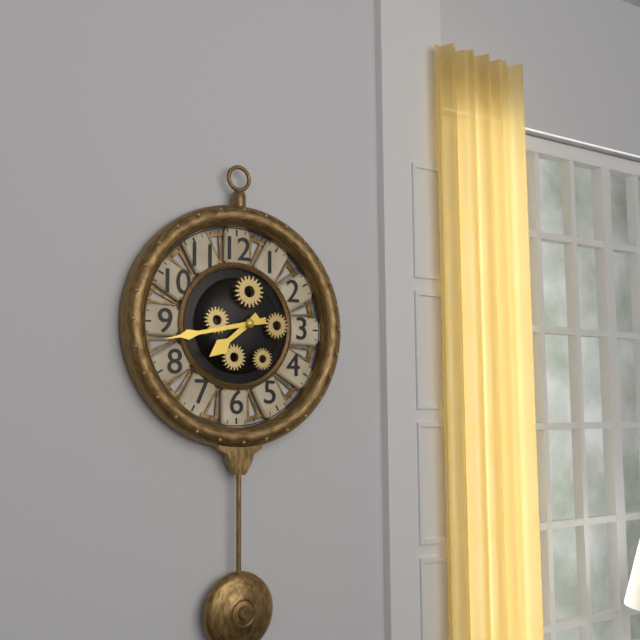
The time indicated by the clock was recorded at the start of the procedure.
7:43
